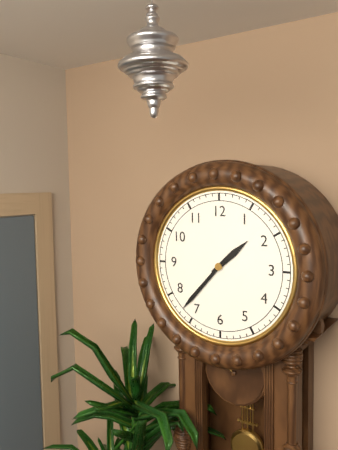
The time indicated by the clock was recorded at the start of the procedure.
1:37
